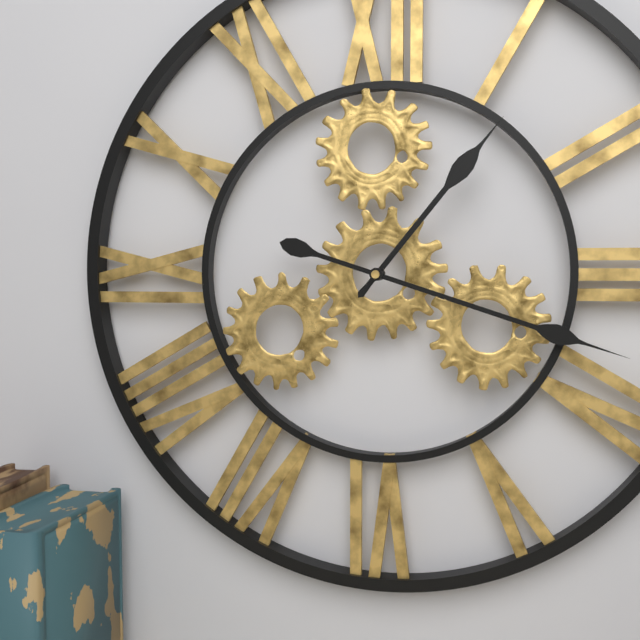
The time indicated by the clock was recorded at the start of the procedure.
1:18
